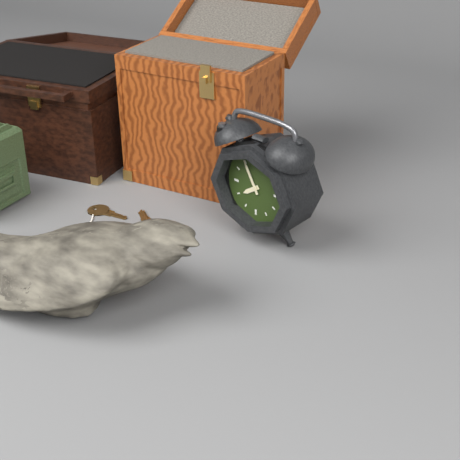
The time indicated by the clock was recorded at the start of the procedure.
7:55
